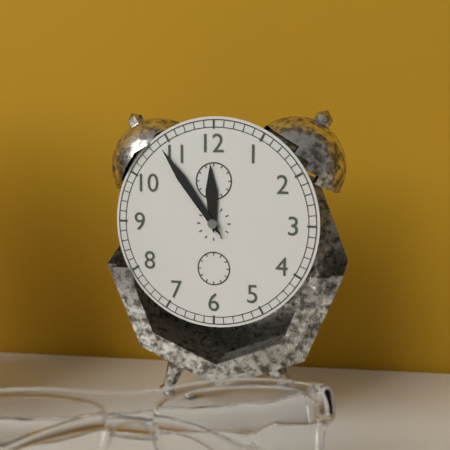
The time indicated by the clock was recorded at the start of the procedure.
11:54
